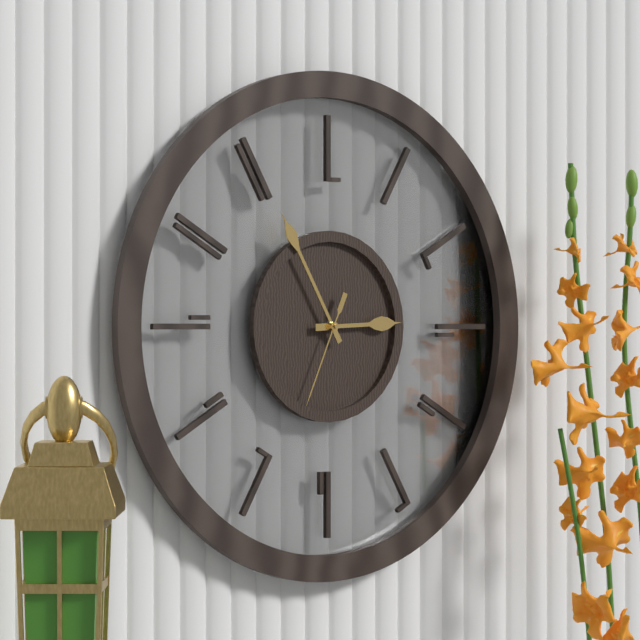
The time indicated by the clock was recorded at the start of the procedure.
2:55:34
